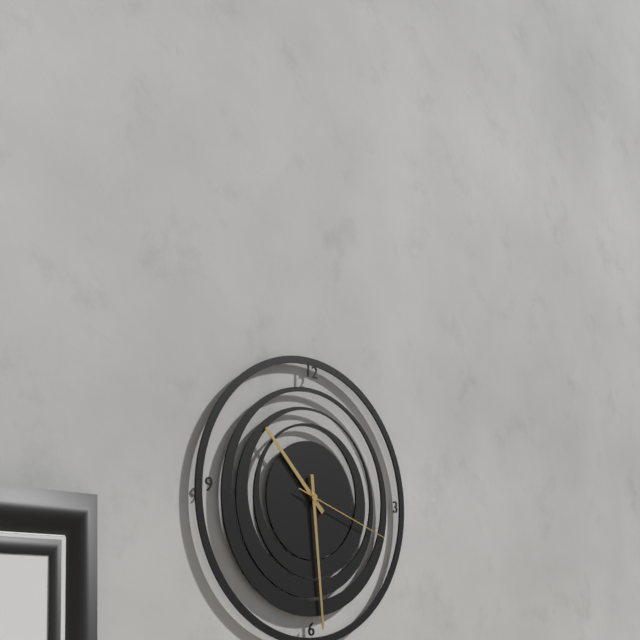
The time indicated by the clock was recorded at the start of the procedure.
10:29:18
